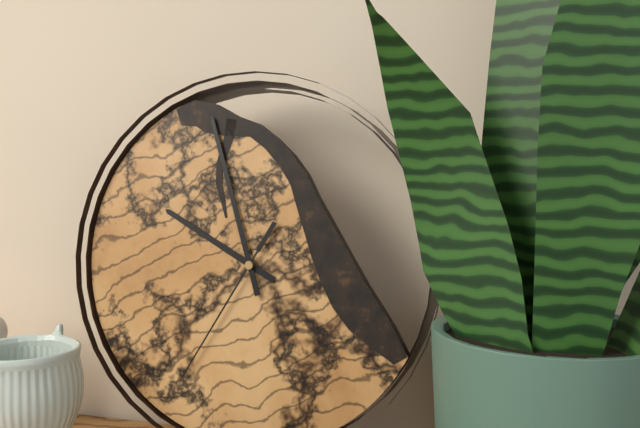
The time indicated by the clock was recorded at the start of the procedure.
9:57:35
